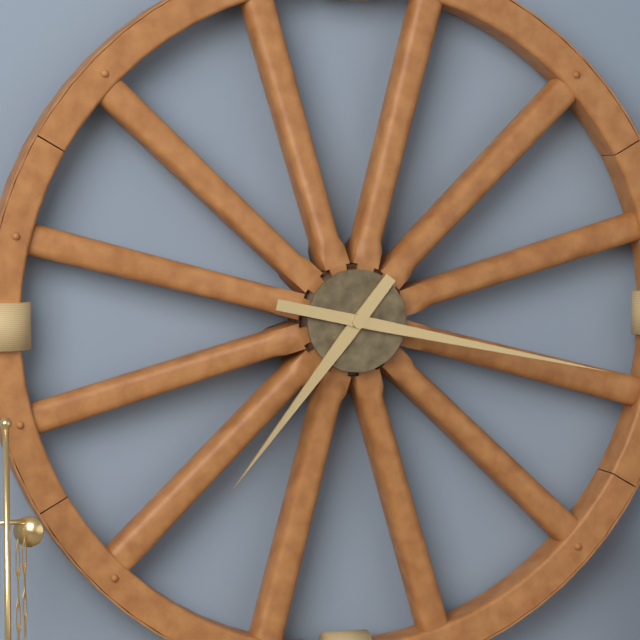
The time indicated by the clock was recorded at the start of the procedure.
7:17
